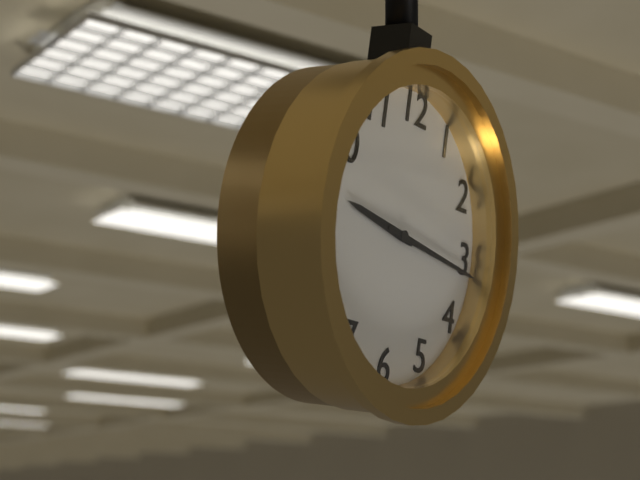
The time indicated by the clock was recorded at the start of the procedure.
9:16
